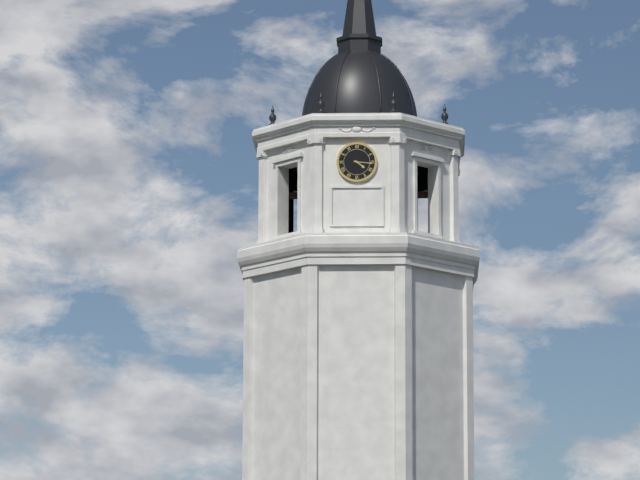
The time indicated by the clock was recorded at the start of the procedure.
4:16
